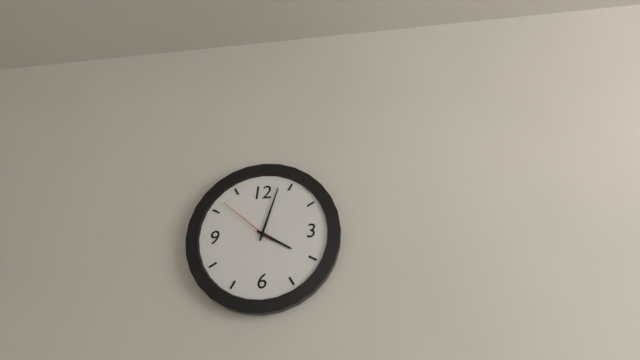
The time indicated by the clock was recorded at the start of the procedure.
4:03:52
